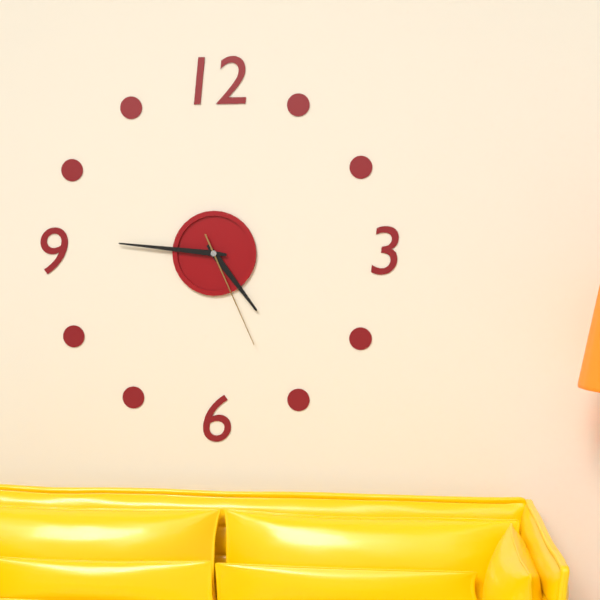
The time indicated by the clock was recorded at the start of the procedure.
4:46:26
